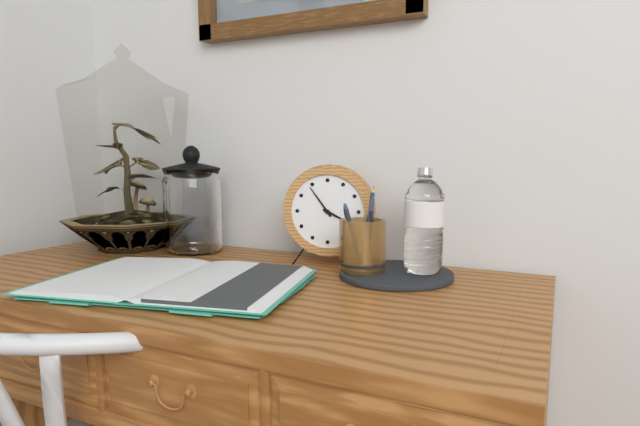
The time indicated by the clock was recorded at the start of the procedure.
3:54
